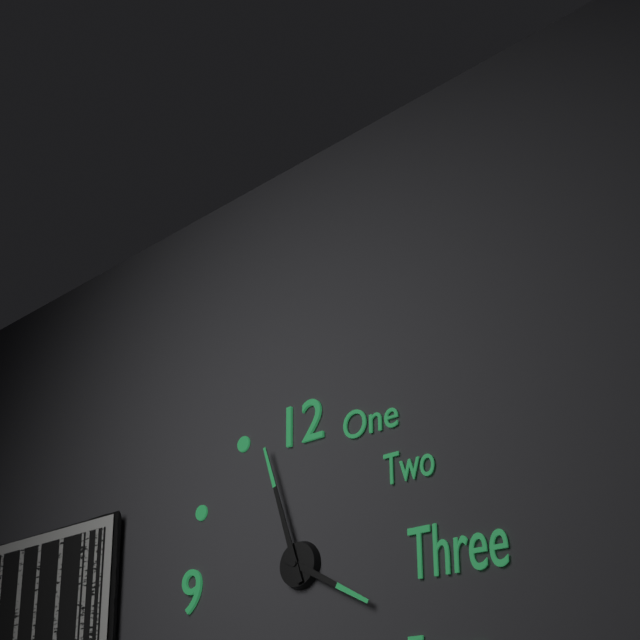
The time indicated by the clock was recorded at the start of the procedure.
3:57
